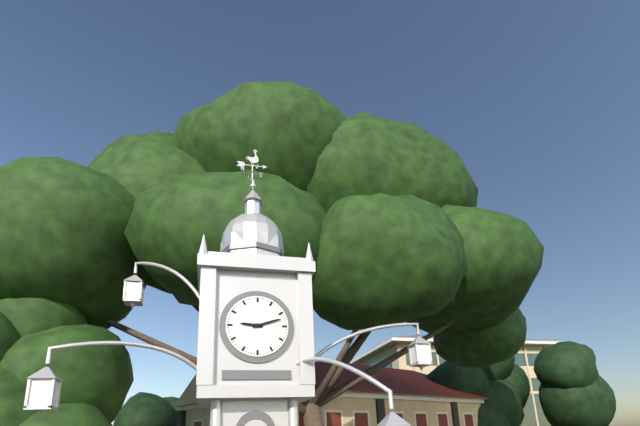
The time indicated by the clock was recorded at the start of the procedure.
9:12
